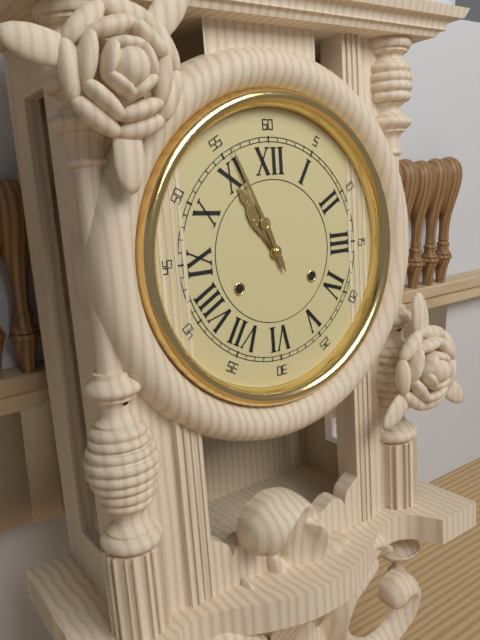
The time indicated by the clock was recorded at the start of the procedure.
10:56
